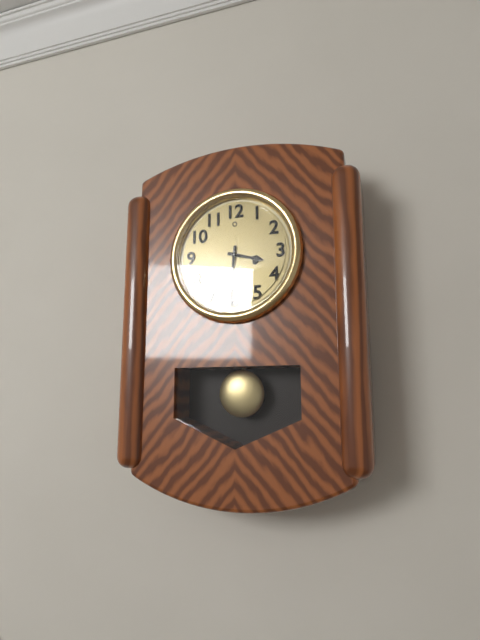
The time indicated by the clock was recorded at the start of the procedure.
3:31
